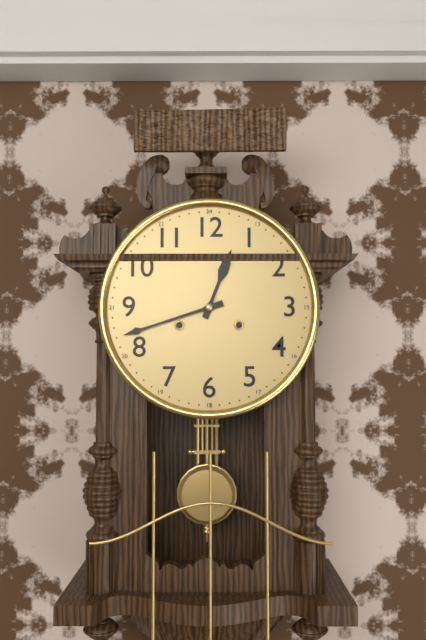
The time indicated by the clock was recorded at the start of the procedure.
12:42
